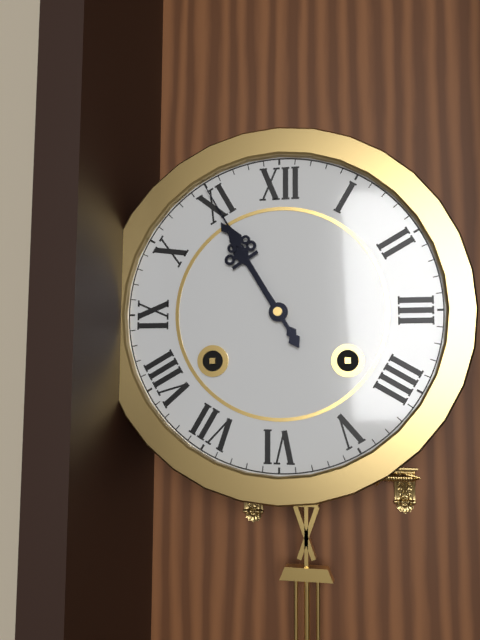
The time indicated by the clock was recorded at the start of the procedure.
10:55
